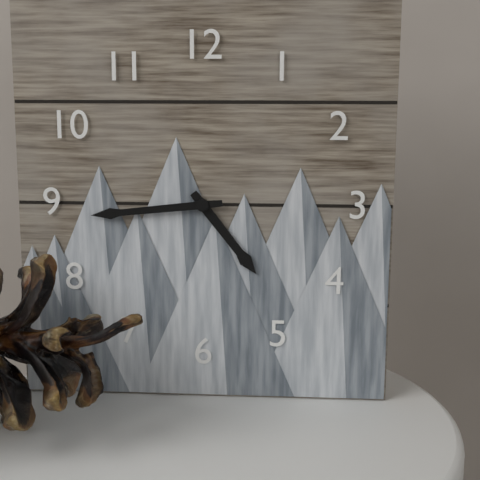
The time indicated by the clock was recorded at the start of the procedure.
4:44
